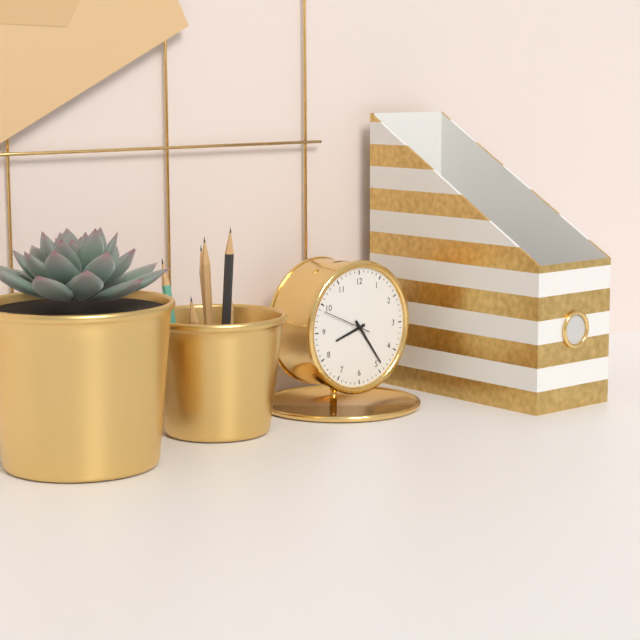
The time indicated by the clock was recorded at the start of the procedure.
8:24
